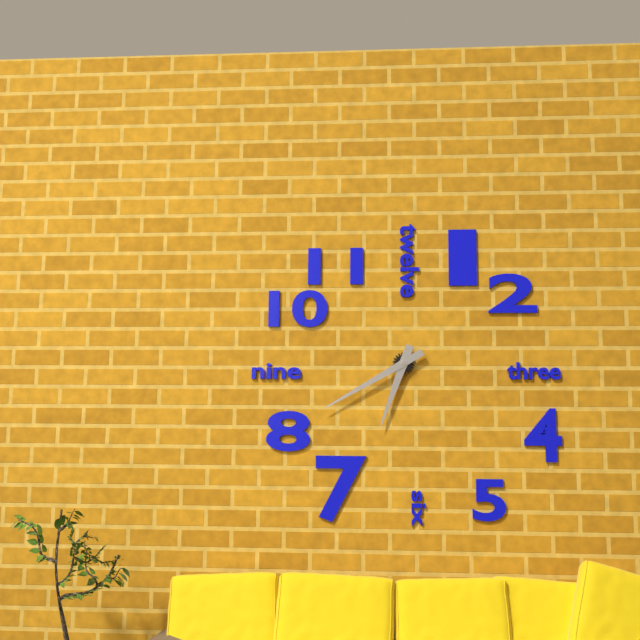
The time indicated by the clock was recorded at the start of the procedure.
6:40
